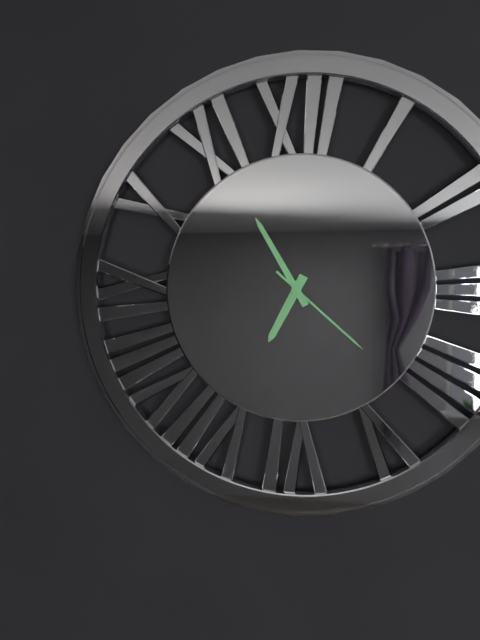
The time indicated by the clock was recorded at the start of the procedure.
6:55:22
